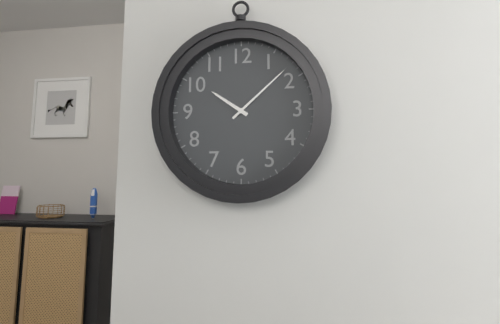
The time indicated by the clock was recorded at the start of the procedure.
10:08
